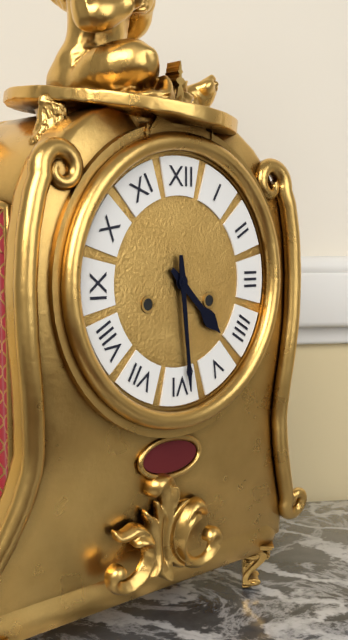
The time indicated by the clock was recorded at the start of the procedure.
4:29
